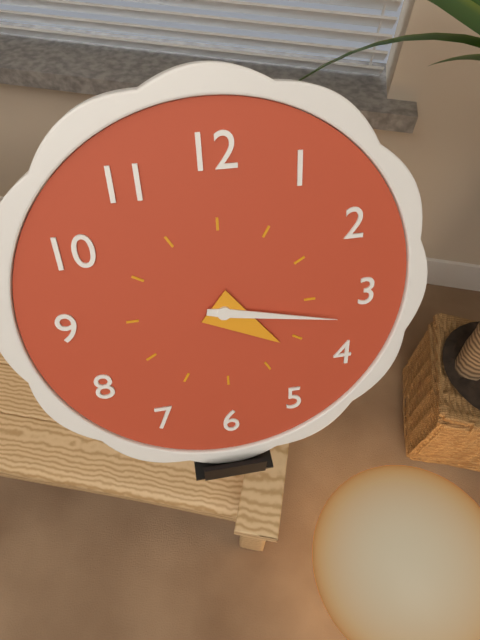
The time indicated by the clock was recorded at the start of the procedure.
4:17
